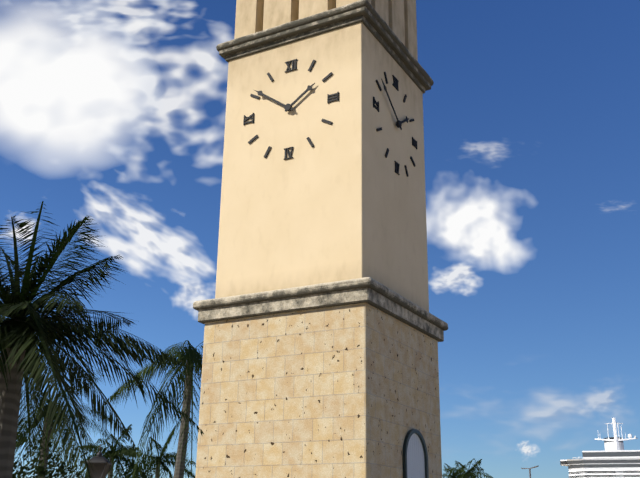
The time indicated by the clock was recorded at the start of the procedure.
1:51
